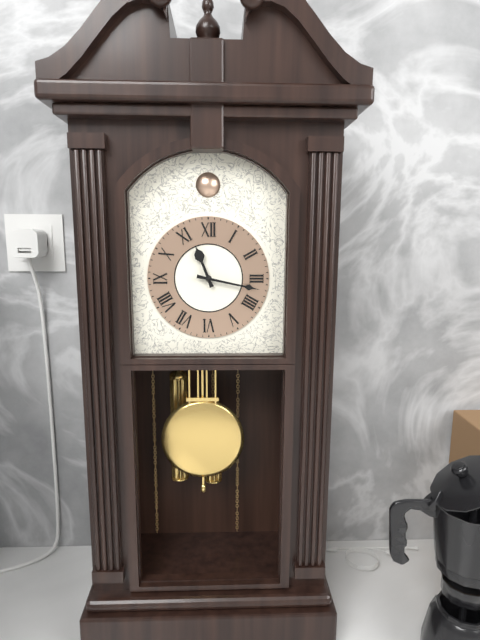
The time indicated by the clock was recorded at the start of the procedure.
11:17
